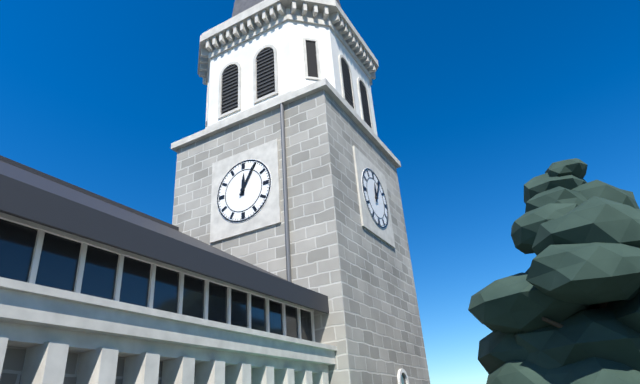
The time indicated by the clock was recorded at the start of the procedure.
12:05
